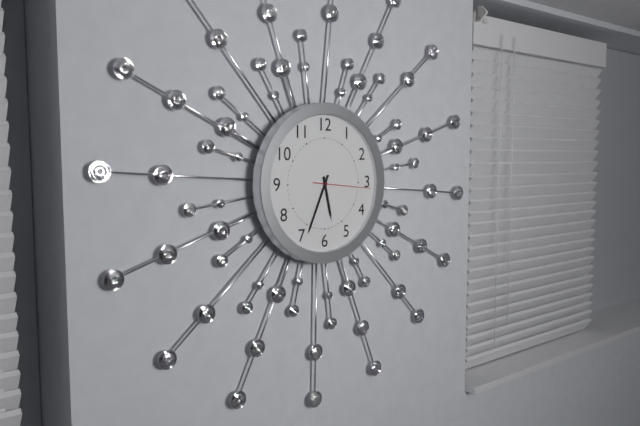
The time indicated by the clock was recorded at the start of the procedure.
5:34:16
